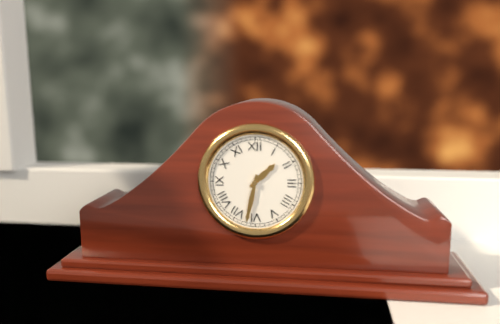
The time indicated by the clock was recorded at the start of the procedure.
1:32
